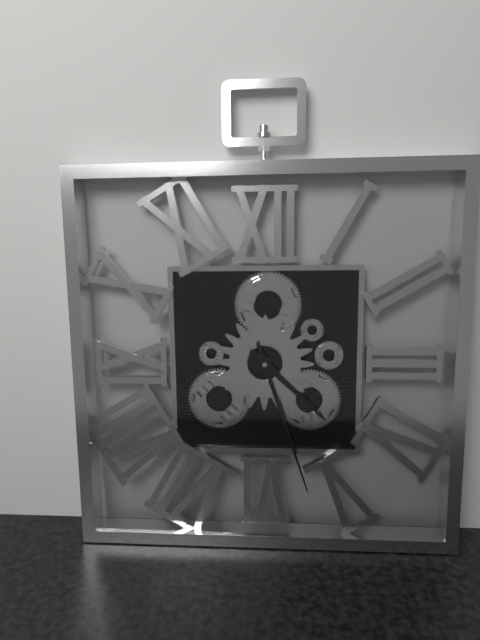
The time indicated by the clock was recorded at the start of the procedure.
4:27
